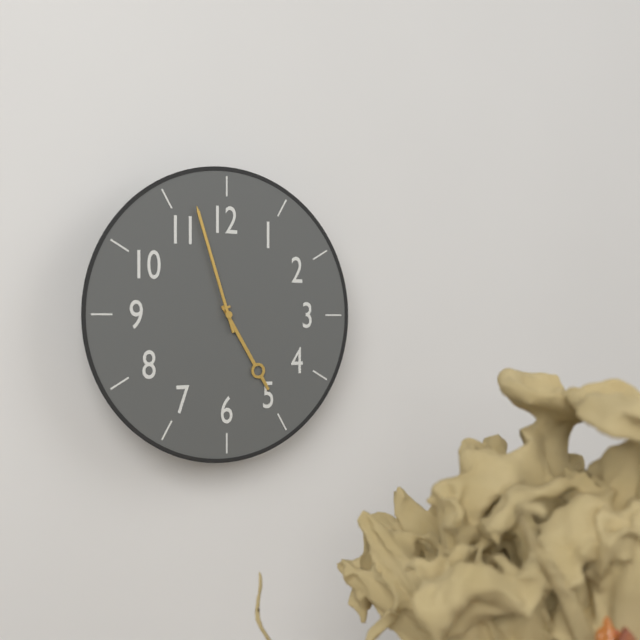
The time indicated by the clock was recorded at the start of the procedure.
4:57
